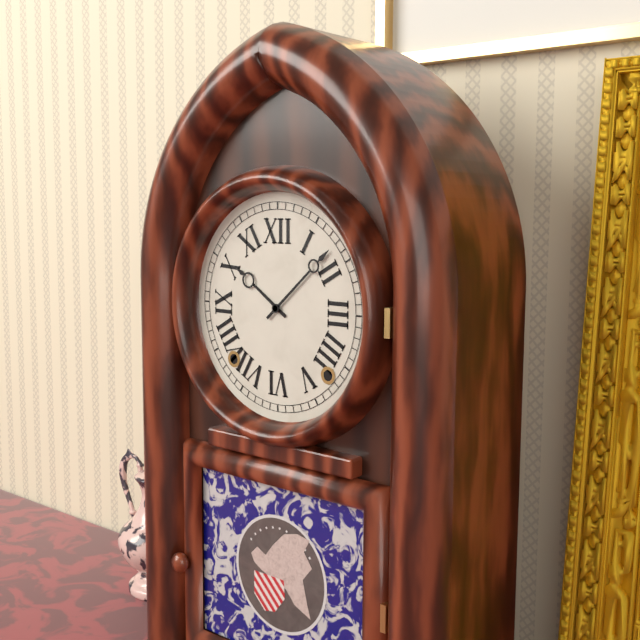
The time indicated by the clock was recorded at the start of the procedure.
10:08
